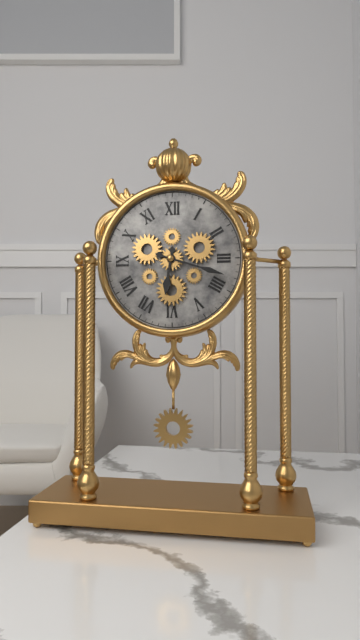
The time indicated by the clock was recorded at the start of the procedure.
6:18
